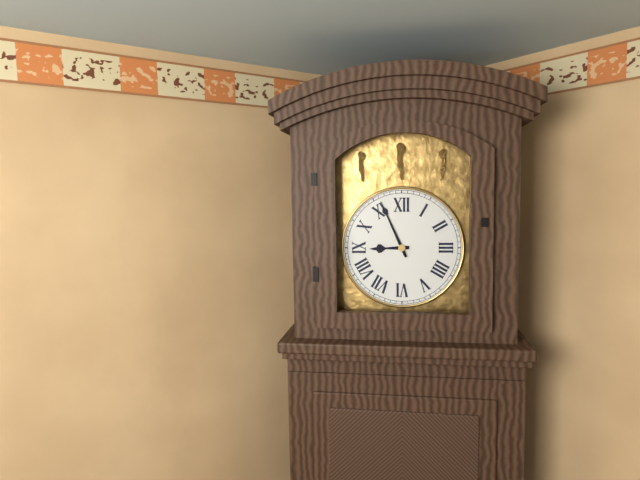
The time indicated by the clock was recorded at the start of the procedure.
8:56
